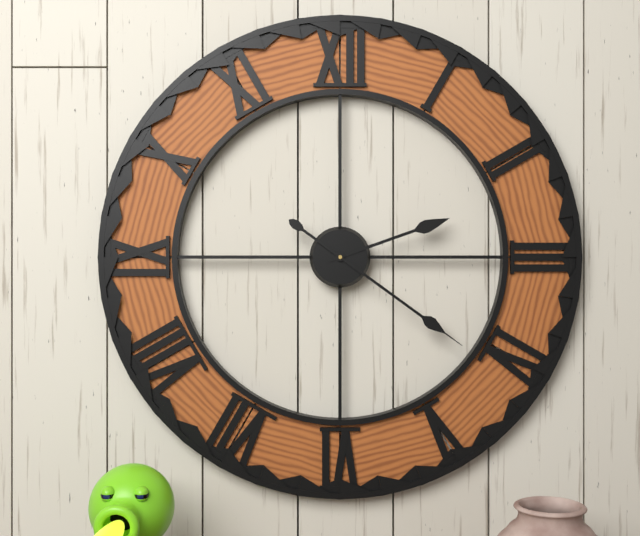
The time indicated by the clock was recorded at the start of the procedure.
2:21
